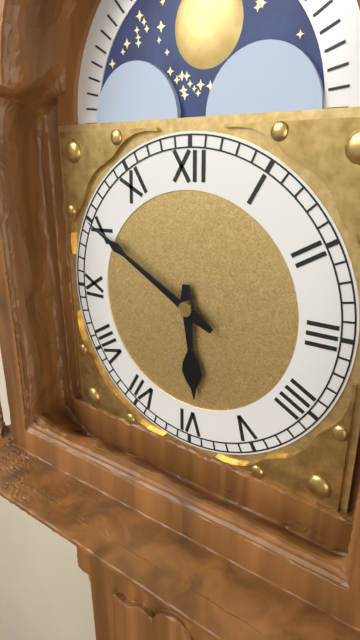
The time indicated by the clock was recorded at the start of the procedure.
5:50
